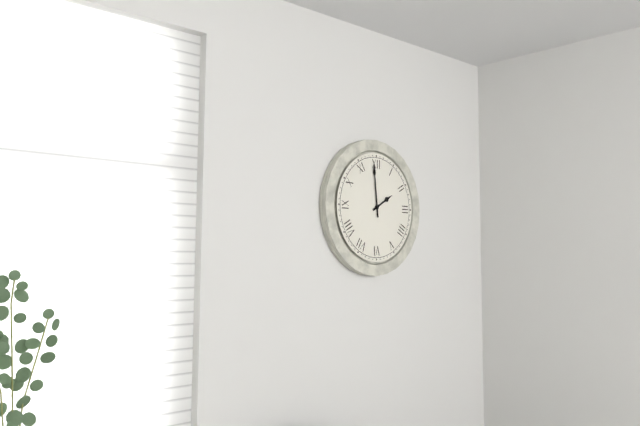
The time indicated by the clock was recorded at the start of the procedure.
1:59
